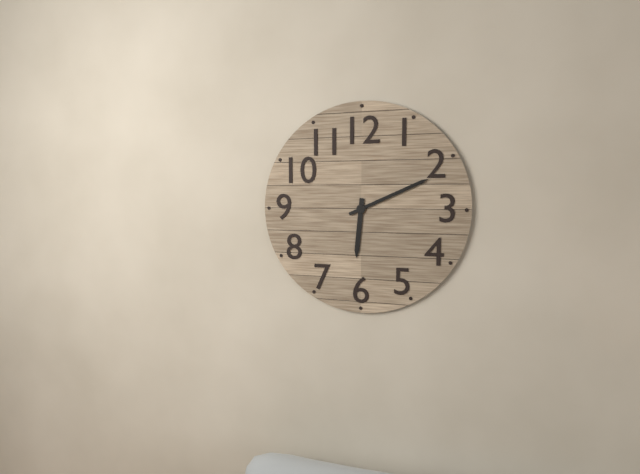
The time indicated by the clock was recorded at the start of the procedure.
6:11
